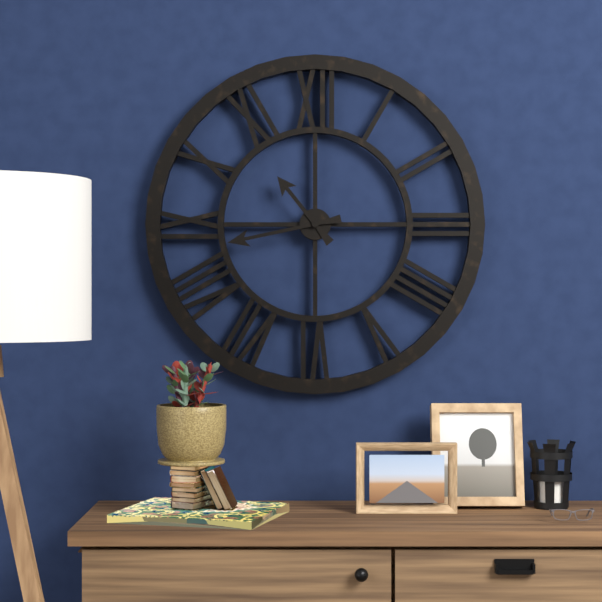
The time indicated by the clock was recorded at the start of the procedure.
10:43
